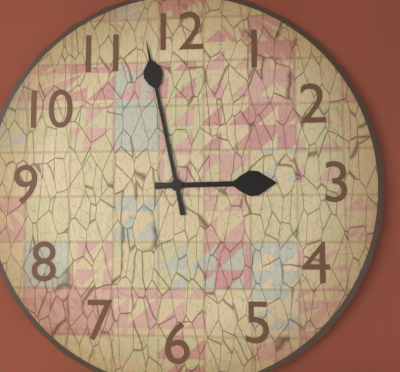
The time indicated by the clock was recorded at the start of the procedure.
2:58
